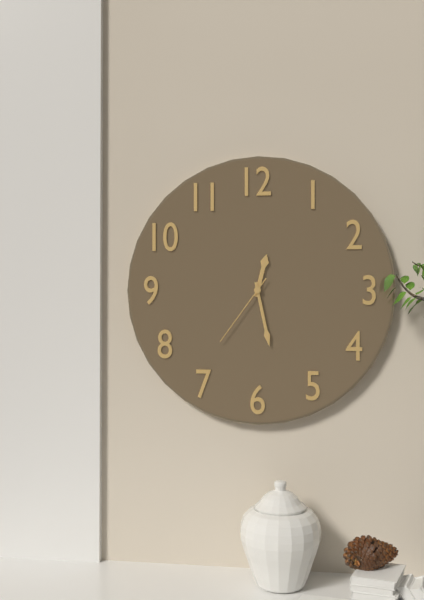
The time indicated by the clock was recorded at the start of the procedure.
12:28:36
